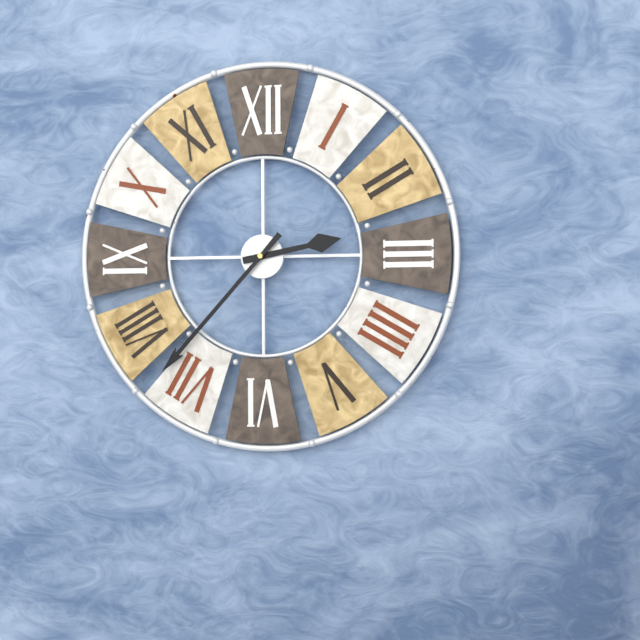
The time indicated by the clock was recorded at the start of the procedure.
2:37
